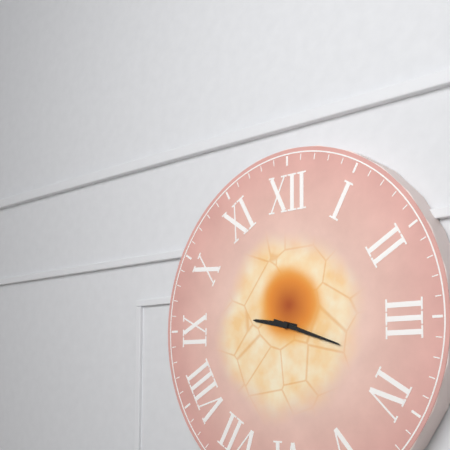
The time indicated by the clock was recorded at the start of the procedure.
9:18
